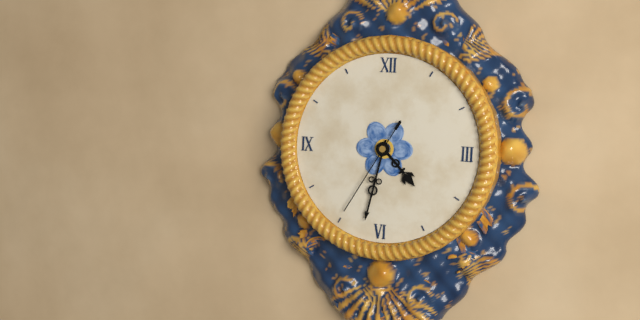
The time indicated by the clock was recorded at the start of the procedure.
4:32:35
